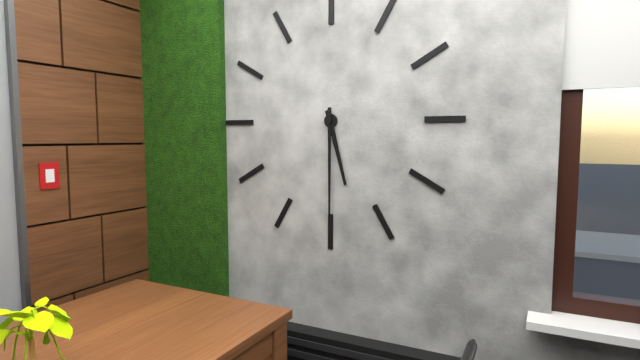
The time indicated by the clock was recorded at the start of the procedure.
5:30
